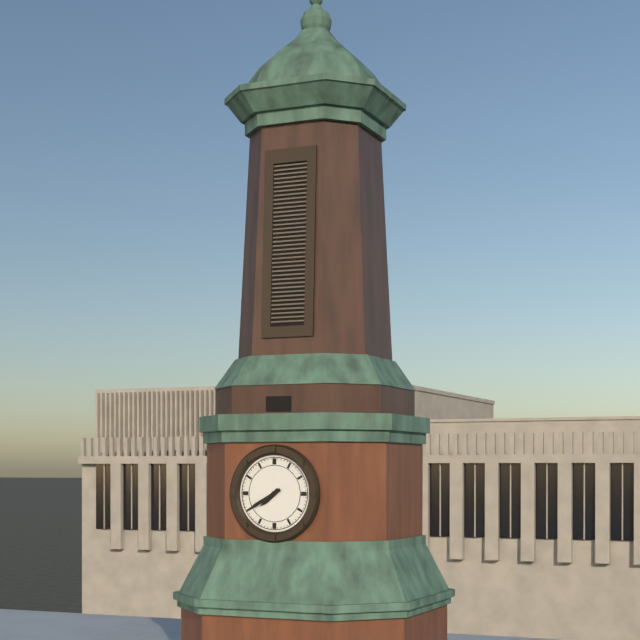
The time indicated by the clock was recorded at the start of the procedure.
7:40
